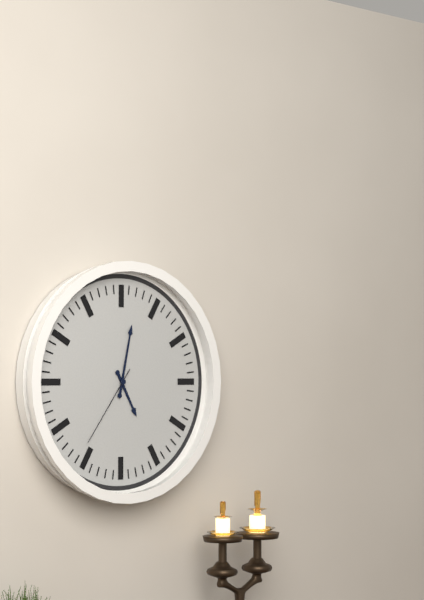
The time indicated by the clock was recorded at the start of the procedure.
5:02:36
